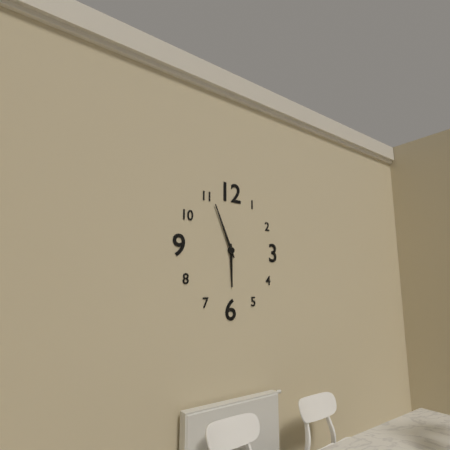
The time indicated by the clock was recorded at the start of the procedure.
5:56
